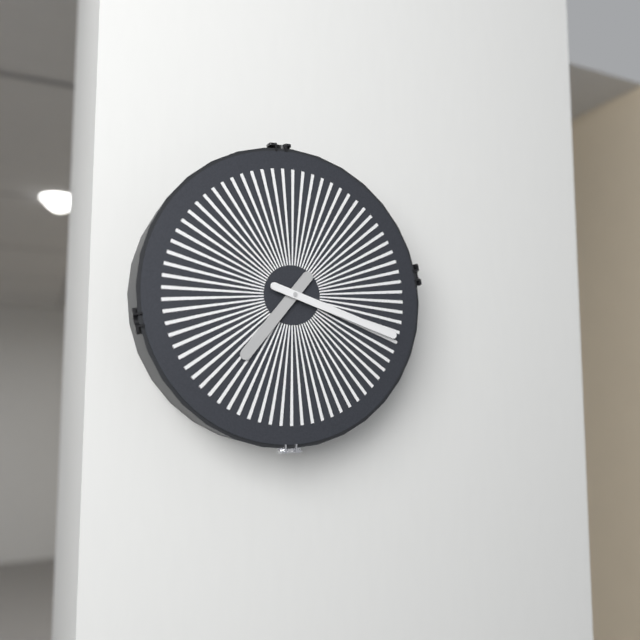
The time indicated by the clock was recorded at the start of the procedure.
7:18
